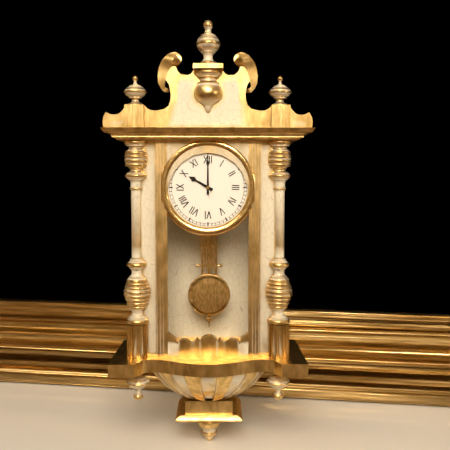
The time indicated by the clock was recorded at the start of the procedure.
10:00
